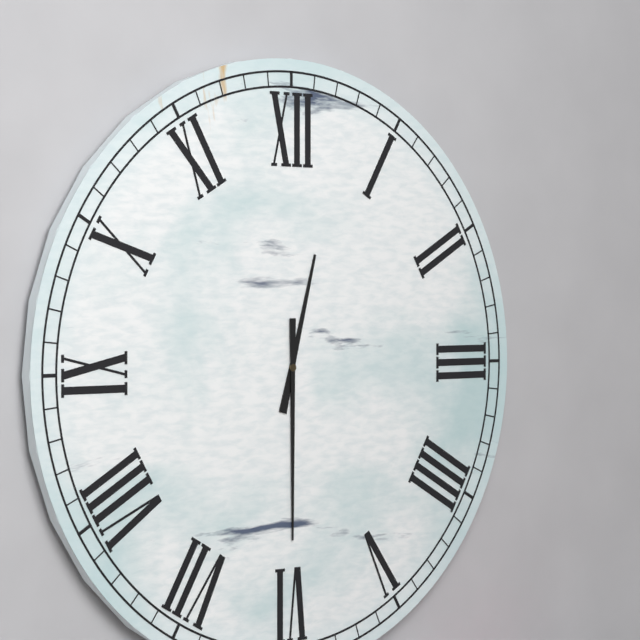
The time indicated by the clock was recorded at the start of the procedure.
12:30
